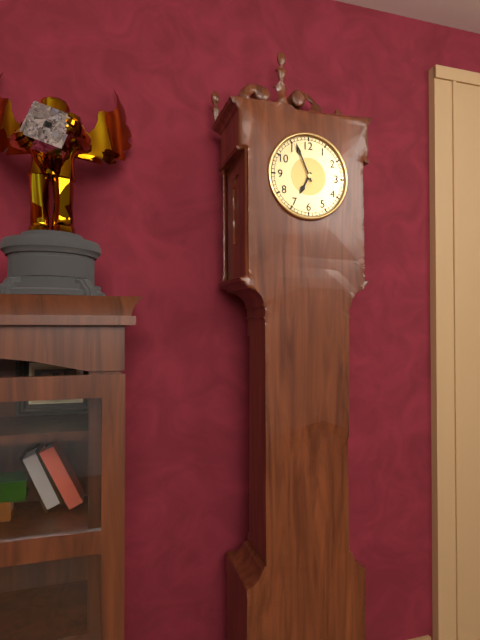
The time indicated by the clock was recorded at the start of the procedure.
6:56
